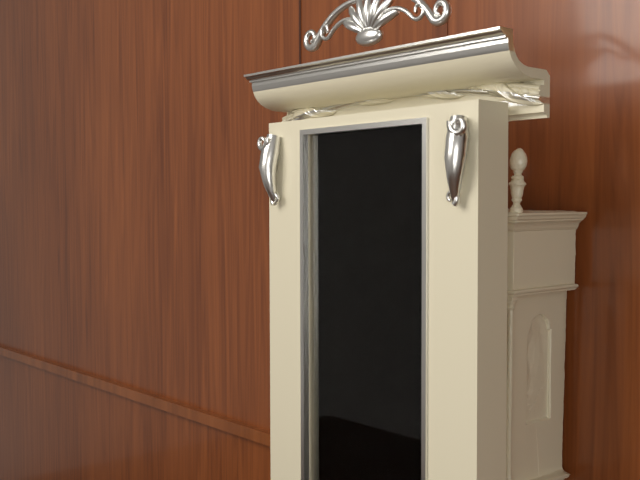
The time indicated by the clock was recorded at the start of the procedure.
8:55
